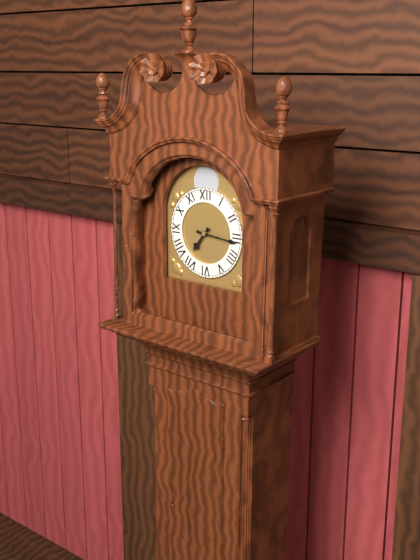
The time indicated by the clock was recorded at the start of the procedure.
7:16
